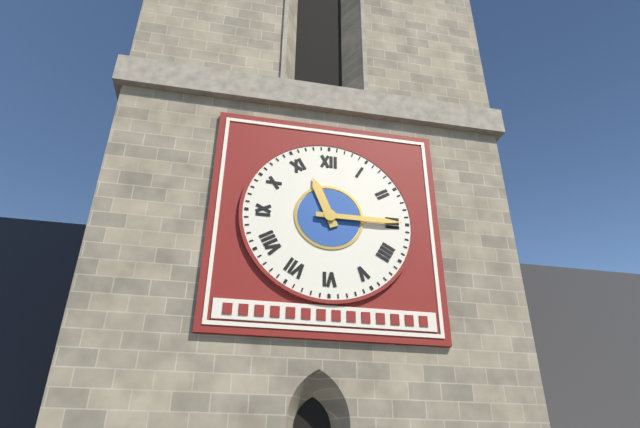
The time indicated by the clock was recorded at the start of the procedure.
11:15
